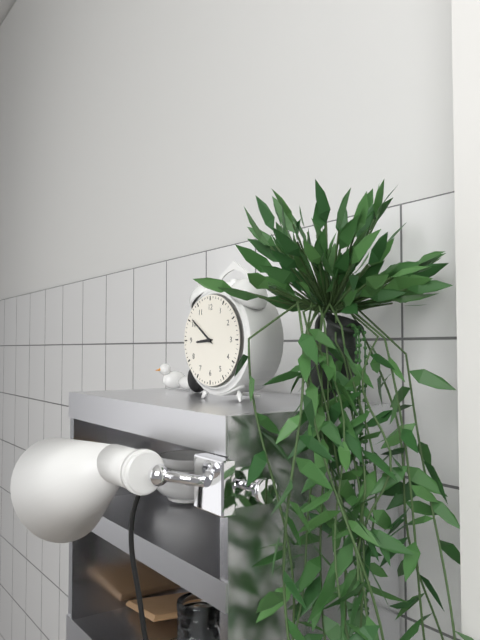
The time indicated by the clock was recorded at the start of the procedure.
8:51
